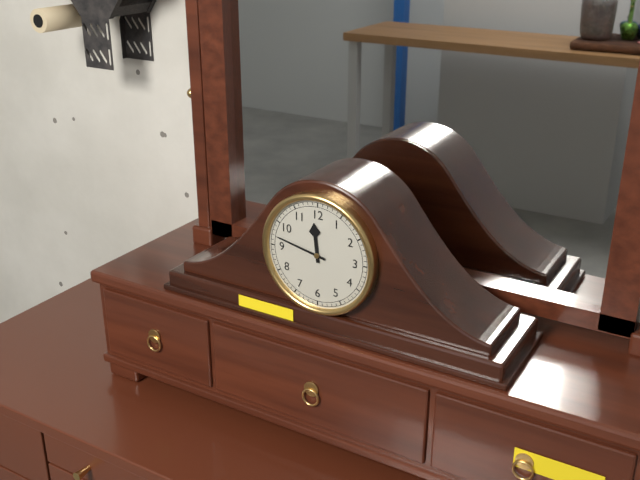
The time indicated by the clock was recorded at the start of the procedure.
11:47
